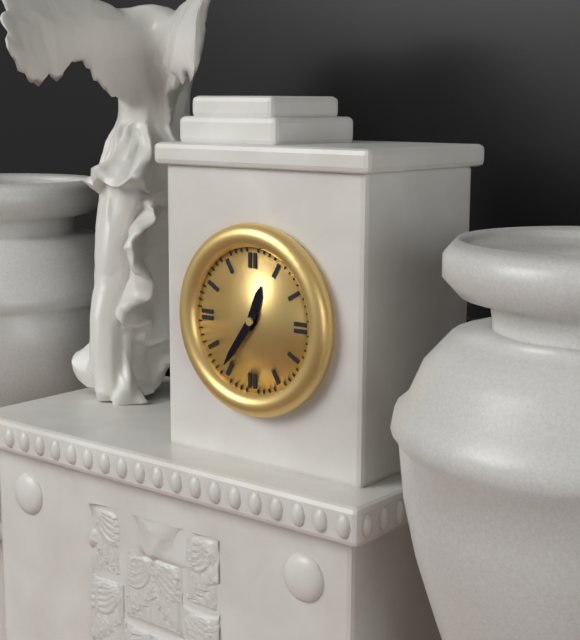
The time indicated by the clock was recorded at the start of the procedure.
12:36
